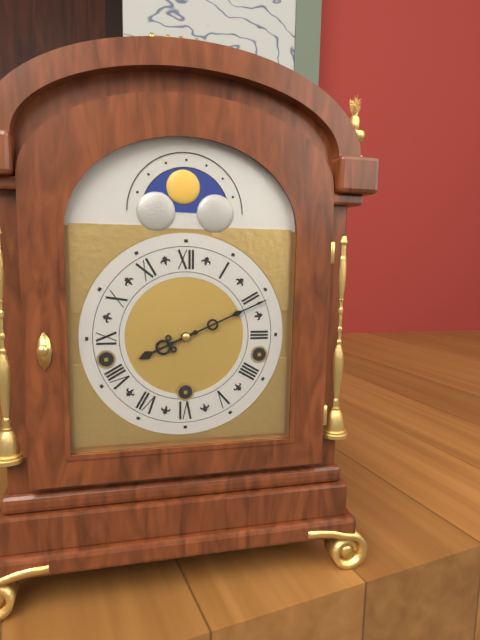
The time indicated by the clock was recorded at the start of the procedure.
8:11
